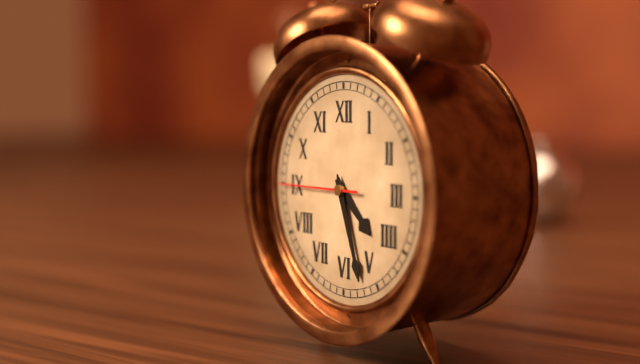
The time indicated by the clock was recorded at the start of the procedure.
4:27:45
